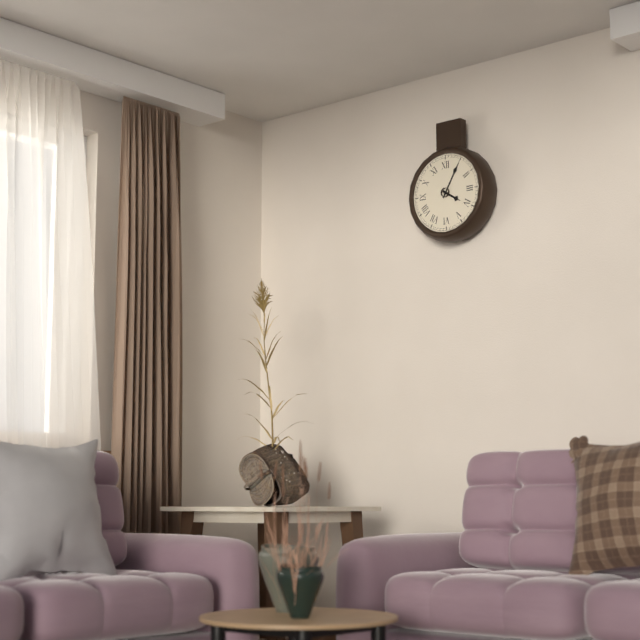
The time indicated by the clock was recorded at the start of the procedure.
4:05
